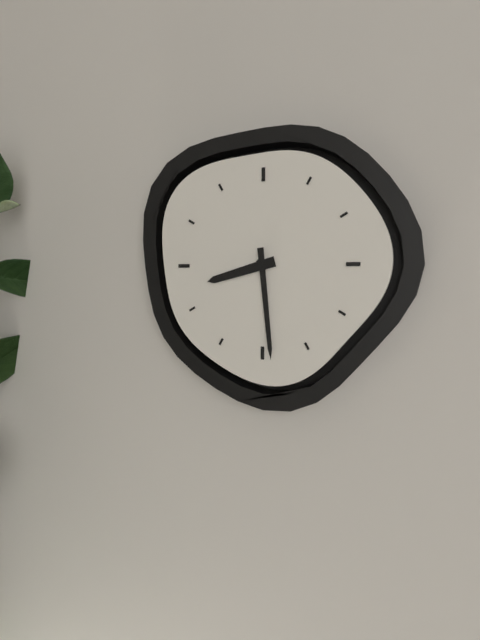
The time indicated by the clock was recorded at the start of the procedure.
8:29
